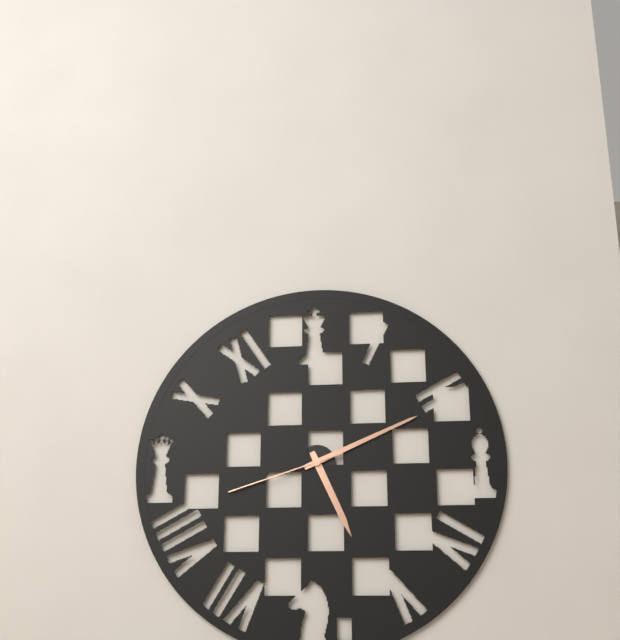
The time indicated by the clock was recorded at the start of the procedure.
5:11:42
